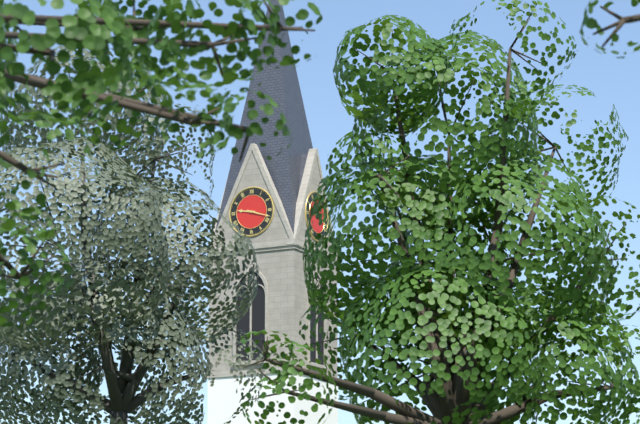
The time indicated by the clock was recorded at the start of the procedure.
9:18
